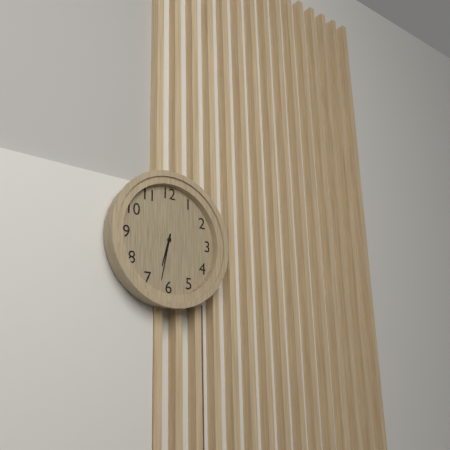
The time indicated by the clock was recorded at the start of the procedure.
6:32
